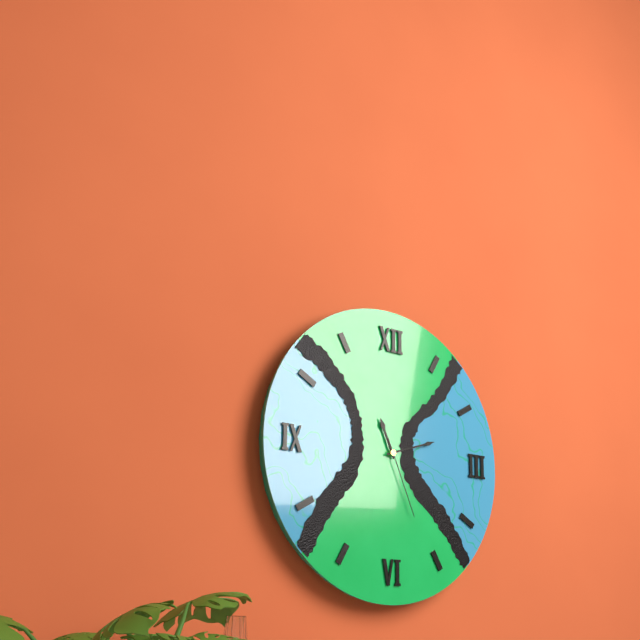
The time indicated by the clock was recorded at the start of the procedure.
11:12:26
